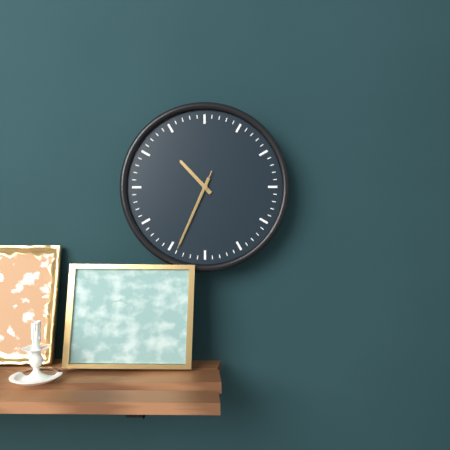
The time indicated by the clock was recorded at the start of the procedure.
10:34:34
